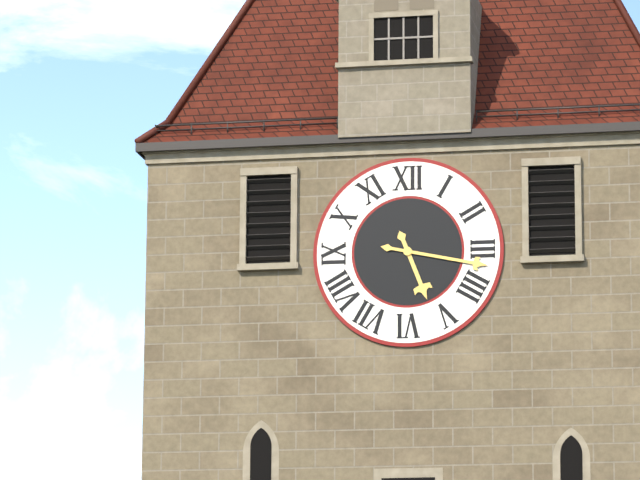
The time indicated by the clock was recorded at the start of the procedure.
5:17
